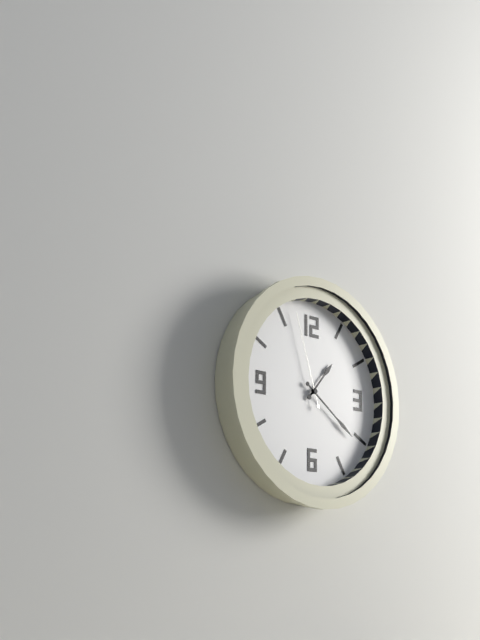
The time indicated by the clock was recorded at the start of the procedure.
1:21:57
